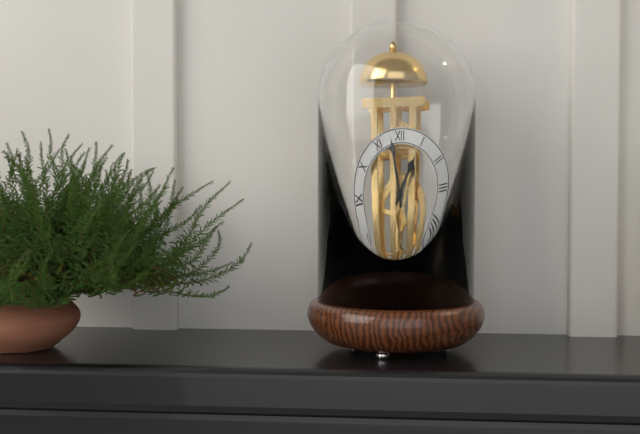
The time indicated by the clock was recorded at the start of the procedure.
12:58
